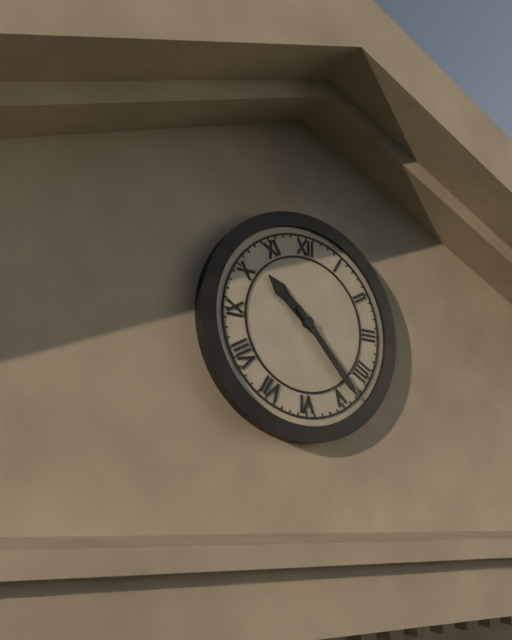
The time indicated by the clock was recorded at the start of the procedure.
10:23
